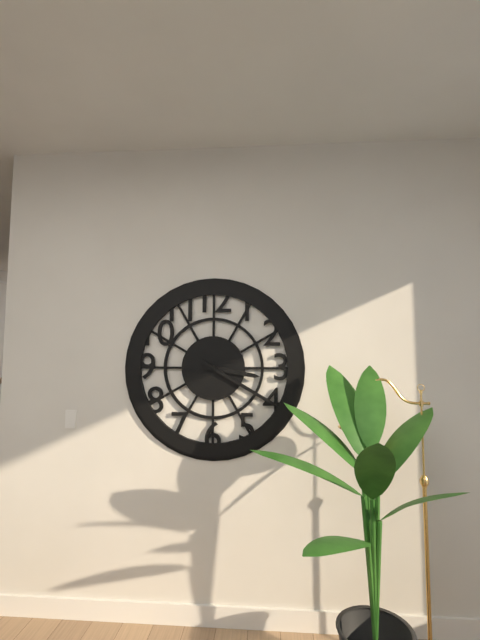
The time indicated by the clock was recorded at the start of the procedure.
3:20
